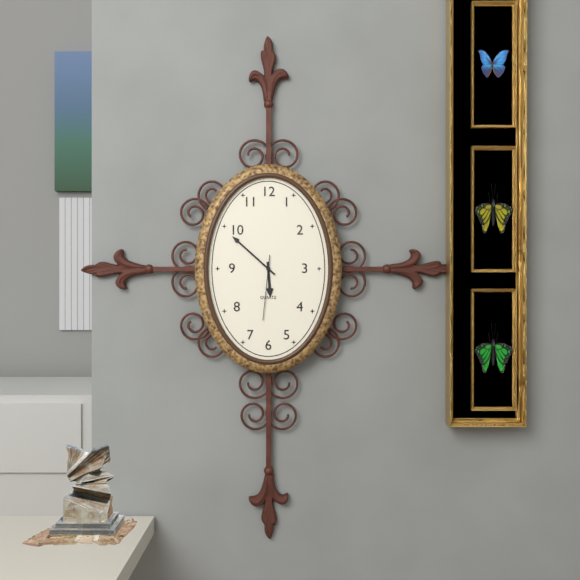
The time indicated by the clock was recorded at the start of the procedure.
5:52:31
